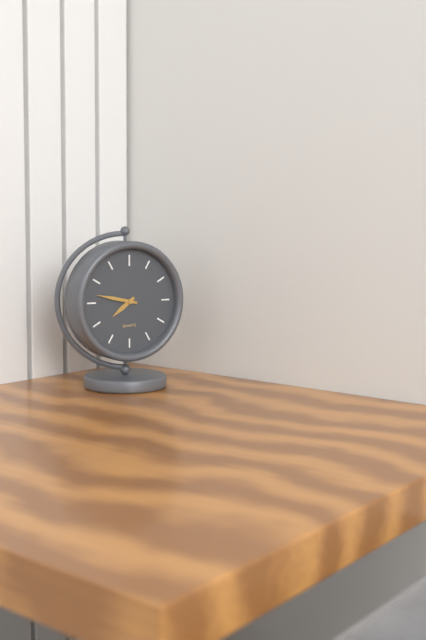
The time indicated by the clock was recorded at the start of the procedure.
7:47
